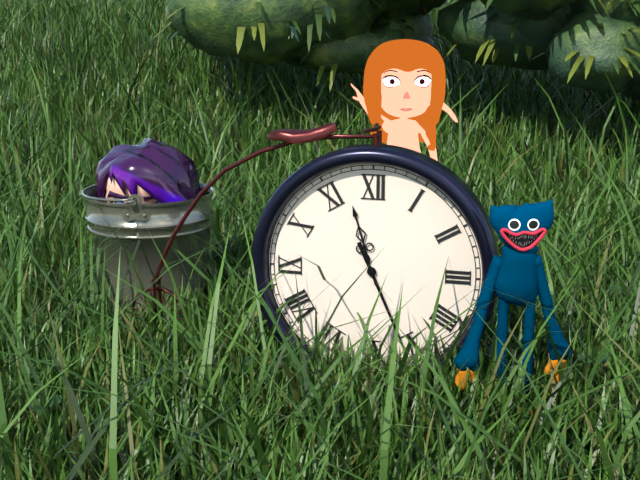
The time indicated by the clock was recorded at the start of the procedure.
11:26
